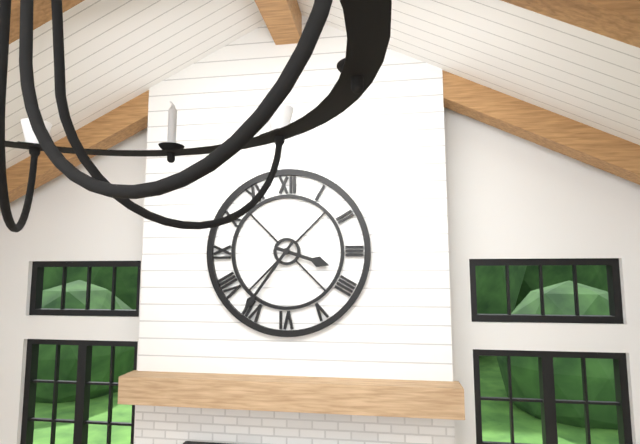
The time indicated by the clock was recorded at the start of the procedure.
3:36
